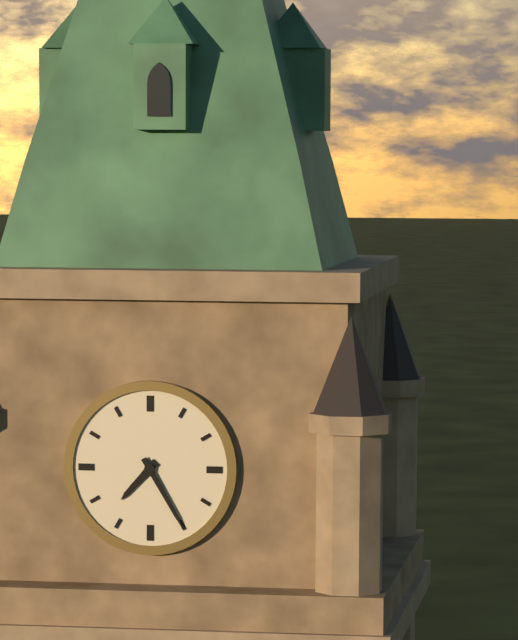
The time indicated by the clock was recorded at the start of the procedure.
7:25
